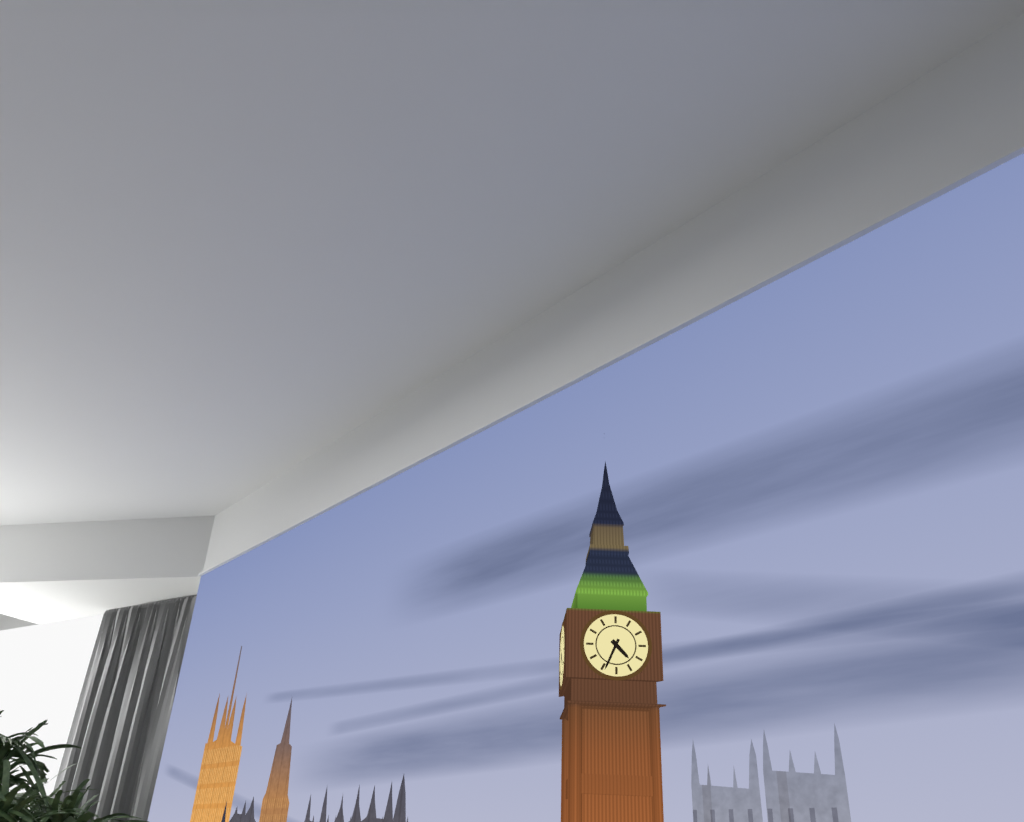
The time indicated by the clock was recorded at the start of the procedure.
4:34
